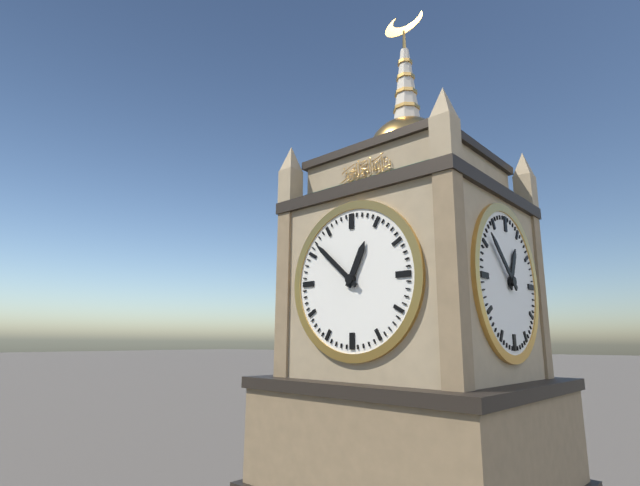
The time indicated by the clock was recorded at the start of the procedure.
12:52
